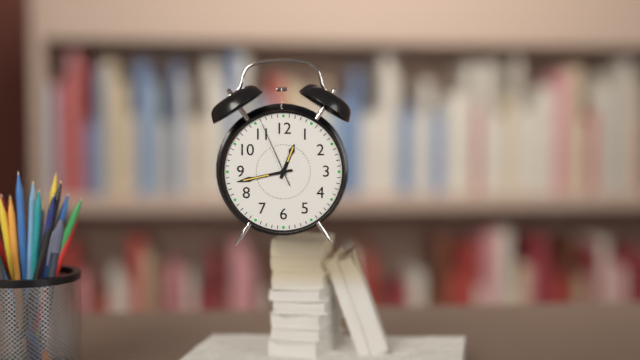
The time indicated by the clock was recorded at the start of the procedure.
12:43:56
